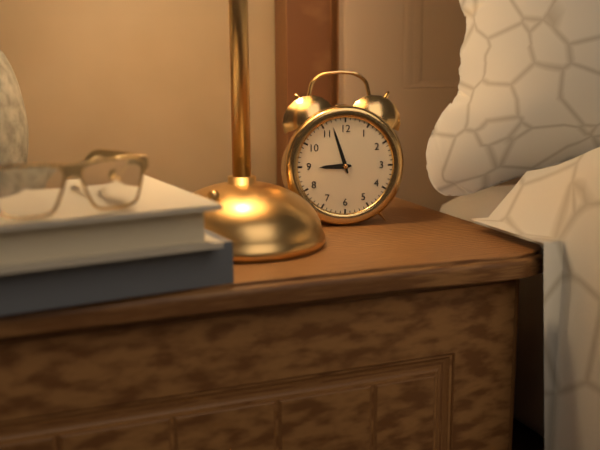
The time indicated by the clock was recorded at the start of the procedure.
8:57
